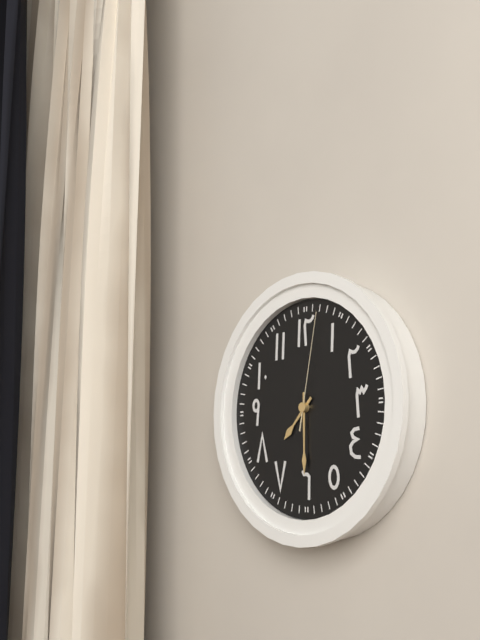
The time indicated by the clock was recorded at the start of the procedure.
7:30:02
